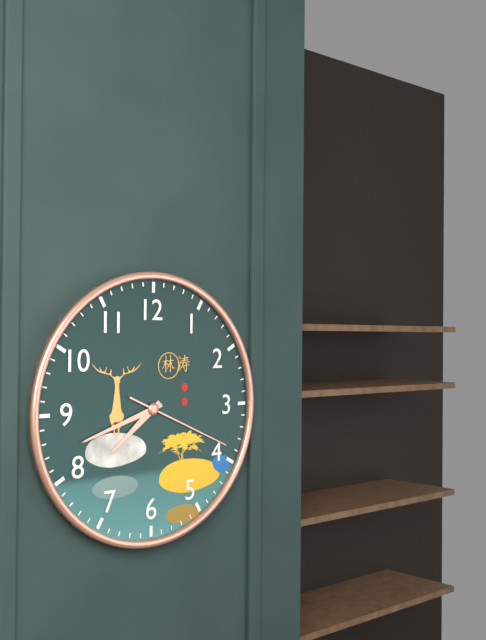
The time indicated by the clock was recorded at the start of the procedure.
7:42:19
